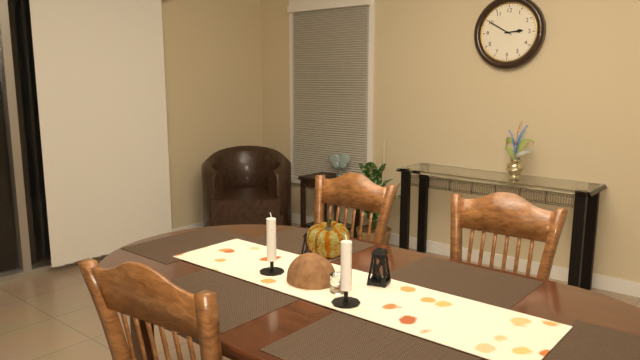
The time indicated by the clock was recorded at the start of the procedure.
2:50
